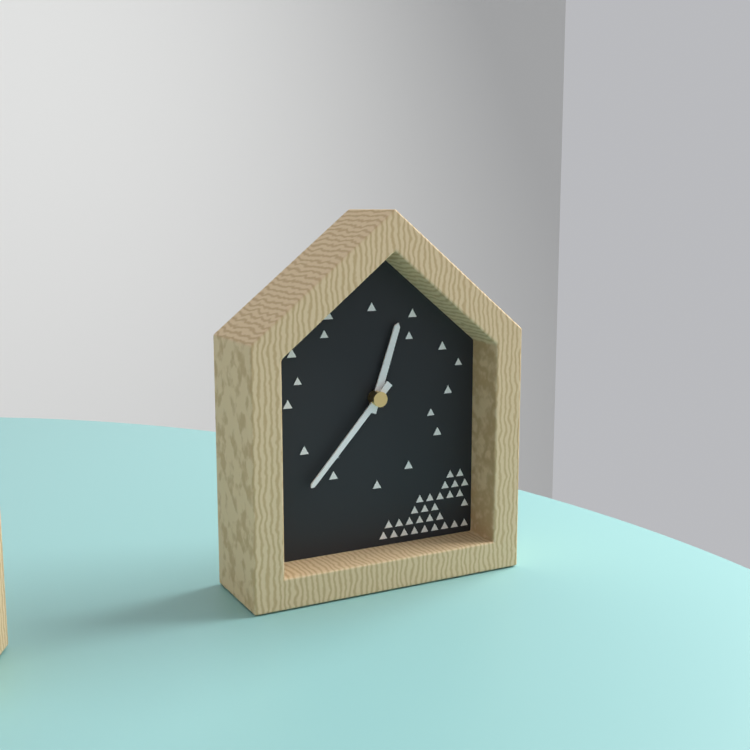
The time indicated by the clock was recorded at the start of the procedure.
12:37
